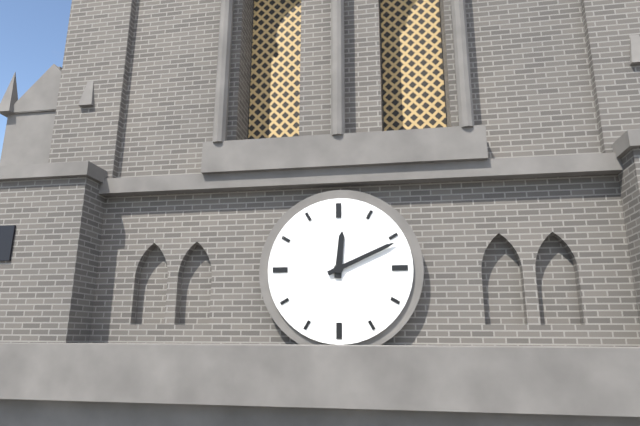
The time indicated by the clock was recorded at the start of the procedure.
12:11
